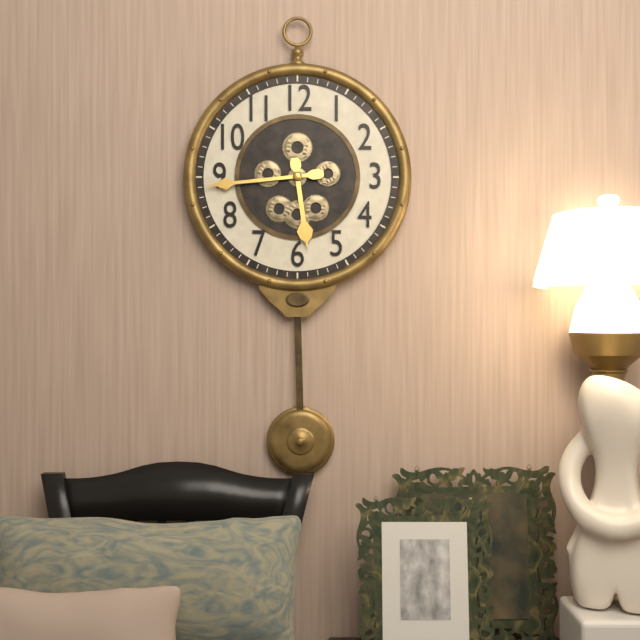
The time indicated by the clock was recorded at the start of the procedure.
5:44
